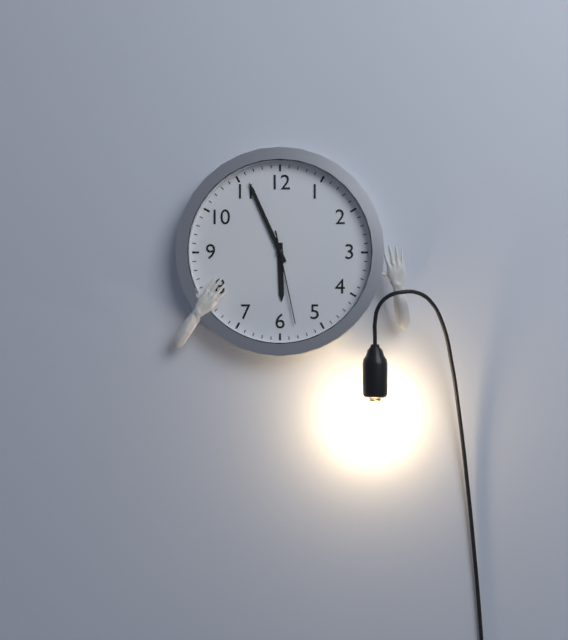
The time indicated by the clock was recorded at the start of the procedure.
5:56:28
